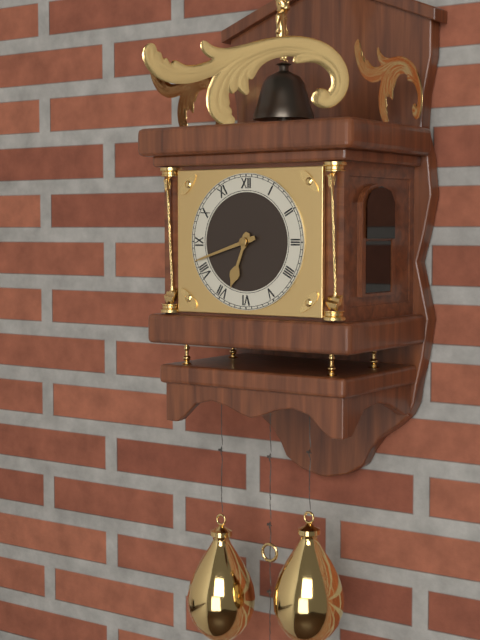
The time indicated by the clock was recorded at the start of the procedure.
6:42
